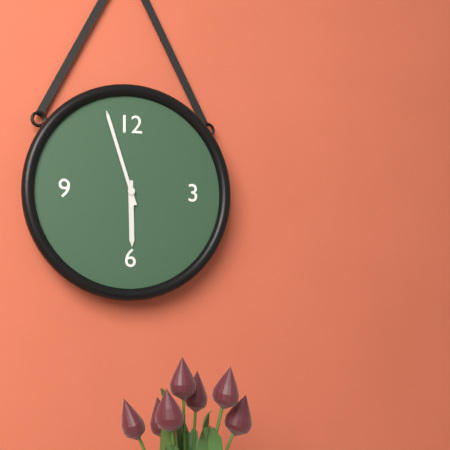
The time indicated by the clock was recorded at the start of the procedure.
5:57
